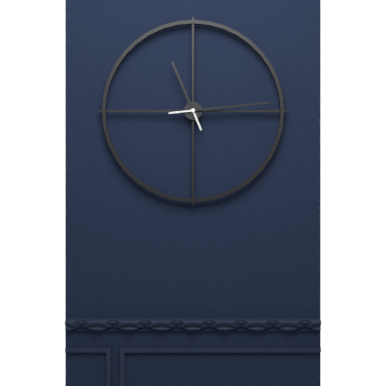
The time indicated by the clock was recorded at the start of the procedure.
11:14
